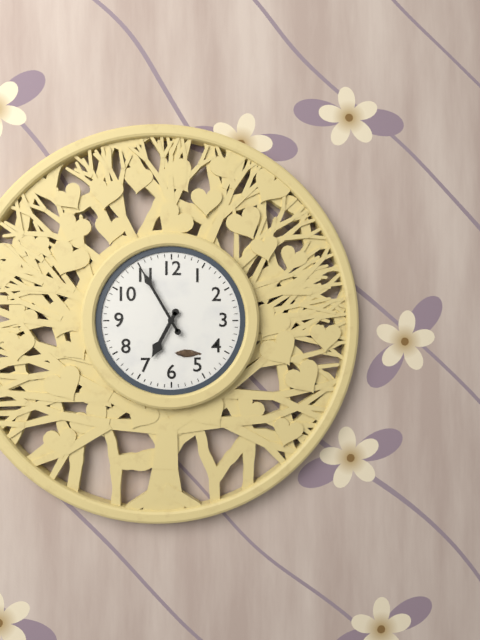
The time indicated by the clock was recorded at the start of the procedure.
6:55
